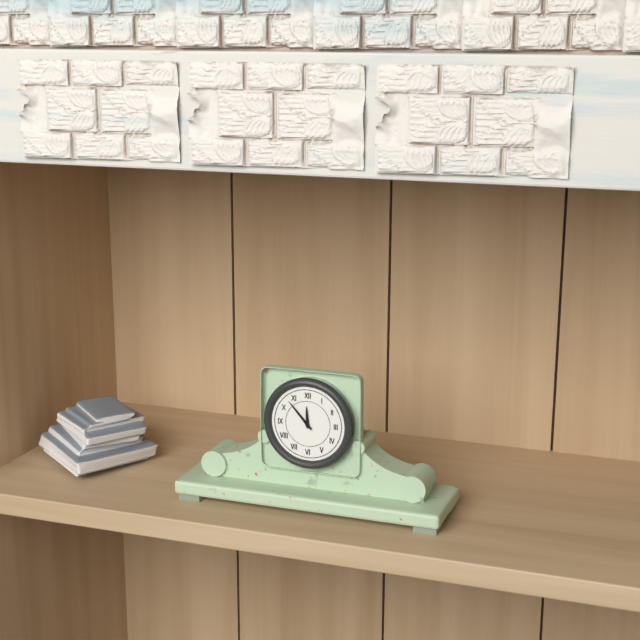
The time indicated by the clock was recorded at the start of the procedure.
11:53
